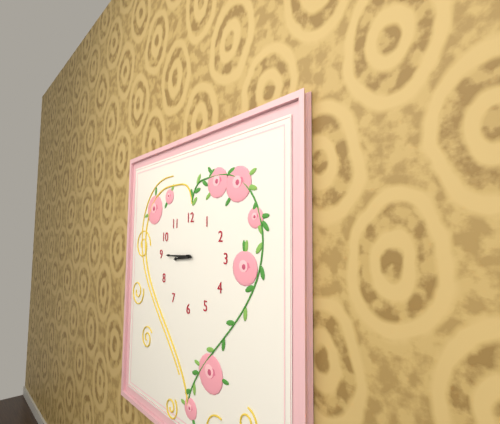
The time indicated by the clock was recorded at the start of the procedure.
8:45
